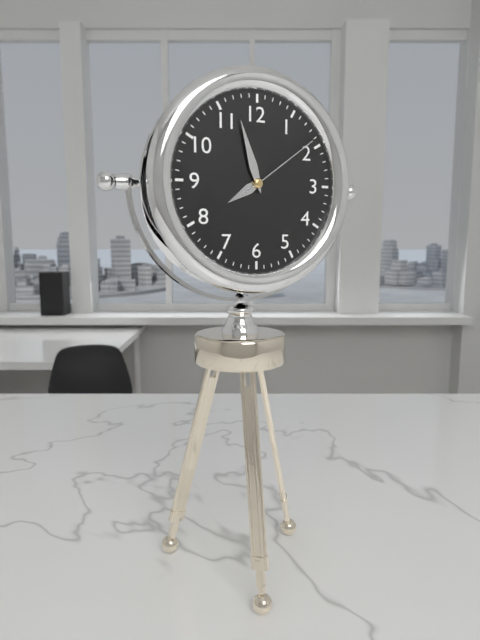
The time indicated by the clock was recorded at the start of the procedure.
7:57:09
